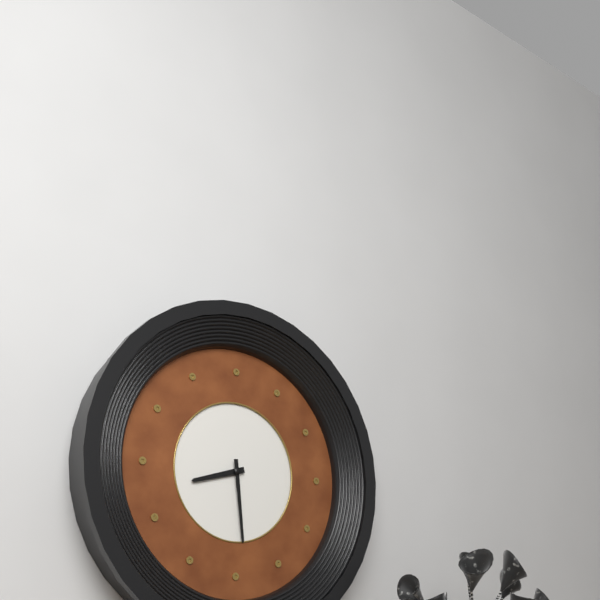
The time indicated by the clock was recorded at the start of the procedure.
8:29
